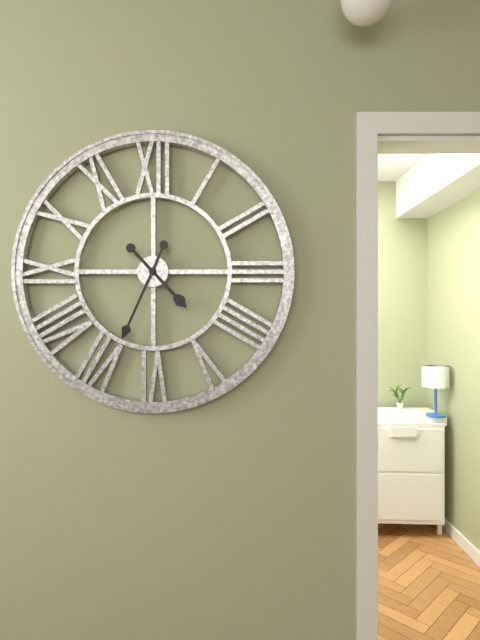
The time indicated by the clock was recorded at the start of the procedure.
4:34
